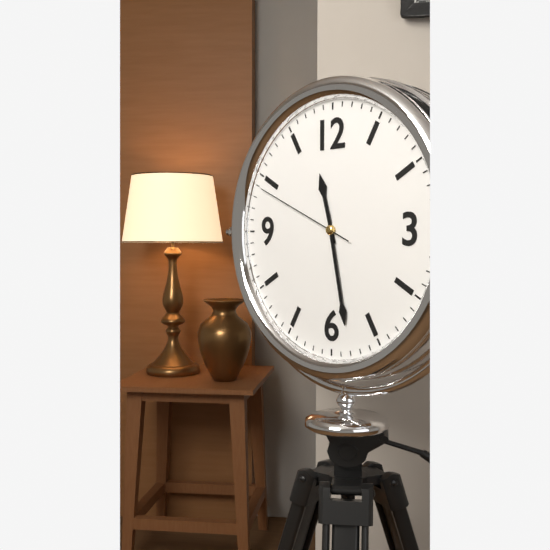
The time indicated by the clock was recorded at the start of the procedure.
11:28:49
